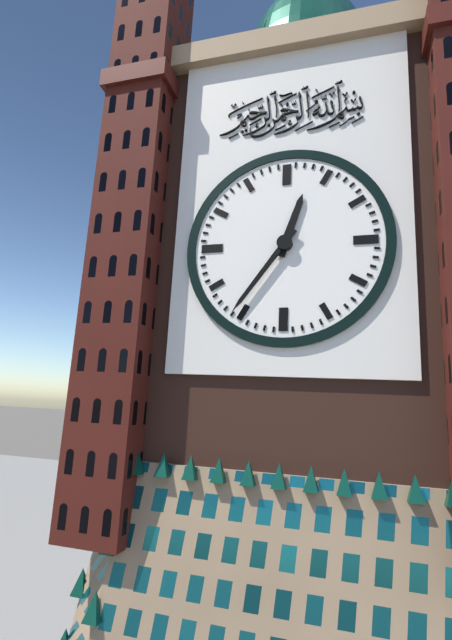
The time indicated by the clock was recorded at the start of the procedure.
12:36
